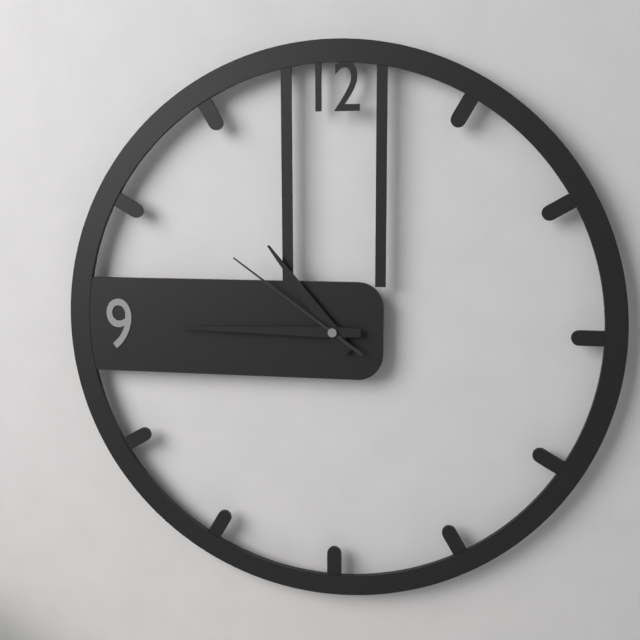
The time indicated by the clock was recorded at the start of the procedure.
10:45:51
